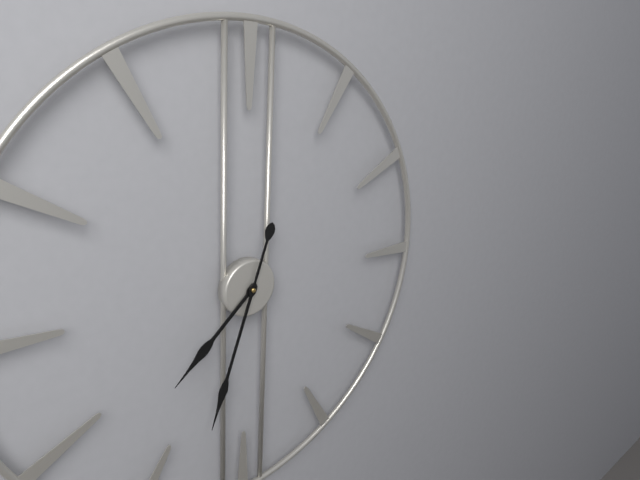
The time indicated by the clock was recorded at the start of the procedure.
7:33
